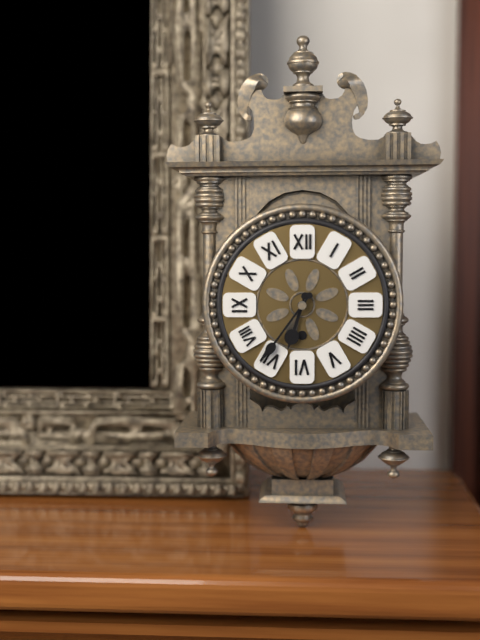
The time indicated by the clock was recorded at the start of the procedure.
6:36
